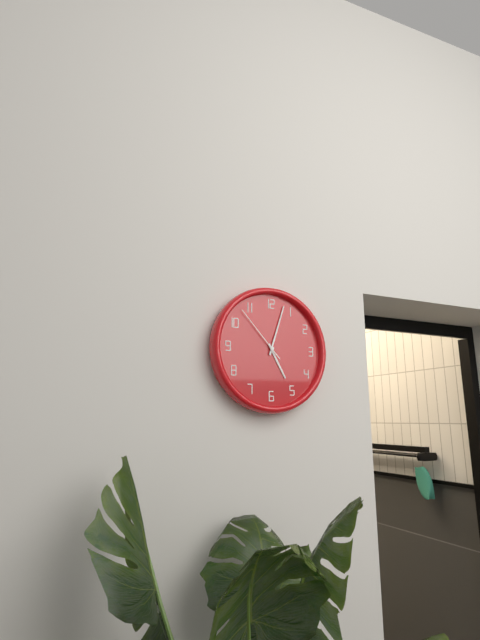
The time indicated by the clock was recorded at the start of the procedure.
5:03:53
